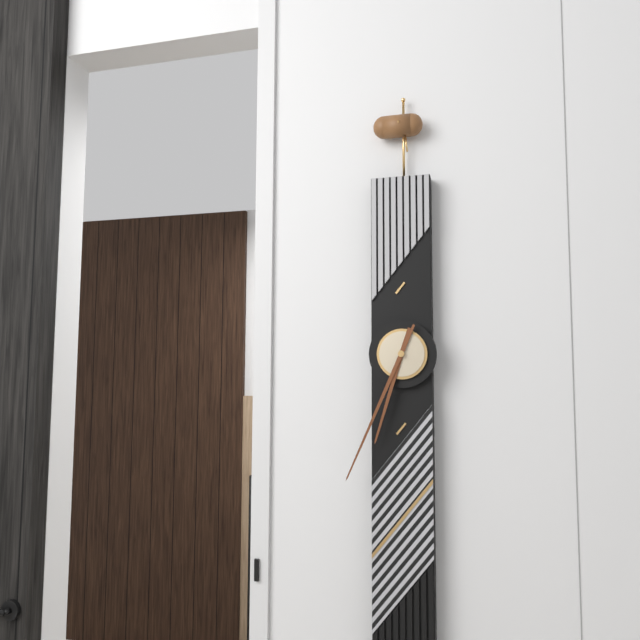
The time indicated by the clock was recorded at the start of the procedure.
6:34
